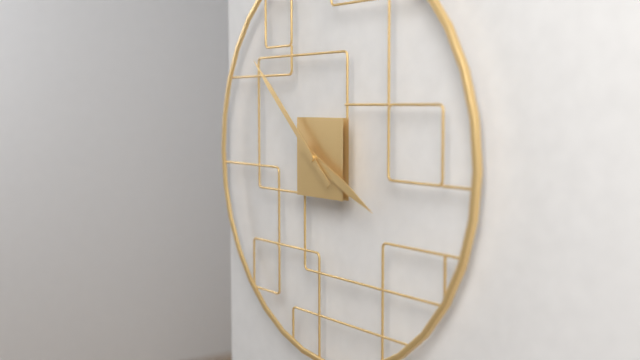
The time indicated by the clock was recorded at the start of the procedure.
3:52
